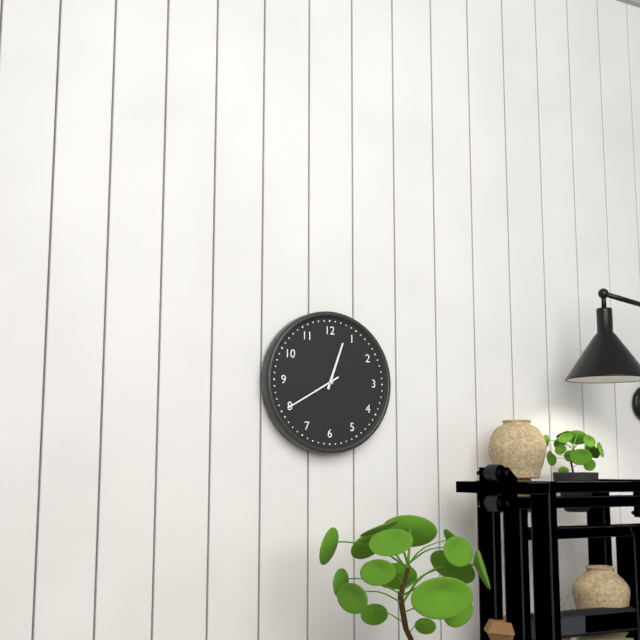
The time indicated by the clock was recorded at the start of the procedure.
12:40
